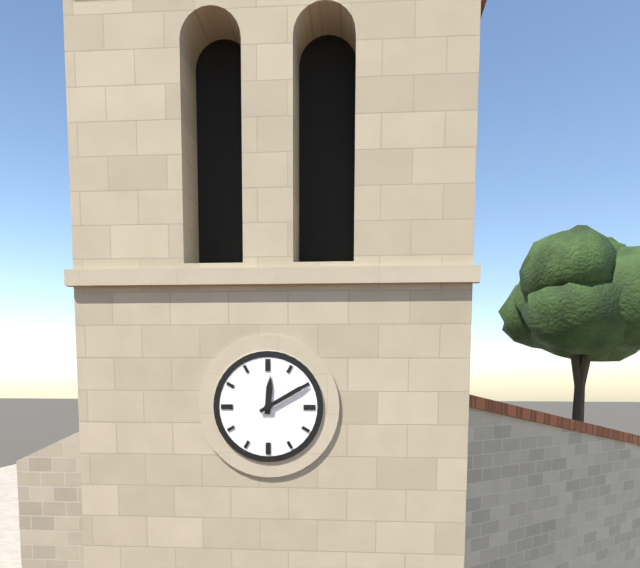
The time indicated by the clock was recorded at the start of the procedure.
12:10
